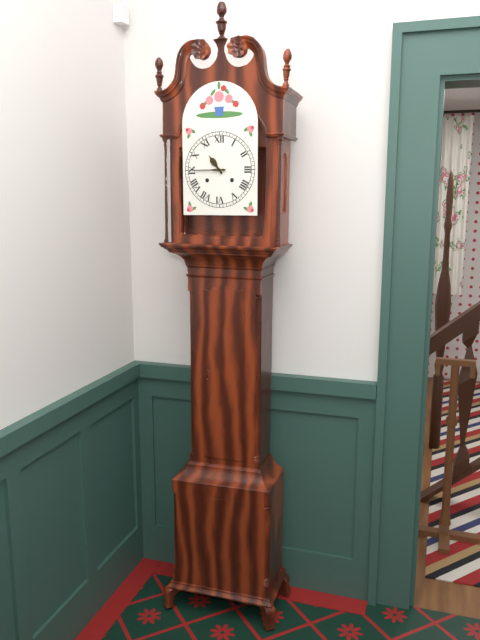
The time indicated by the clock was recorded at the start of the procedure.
10:45
